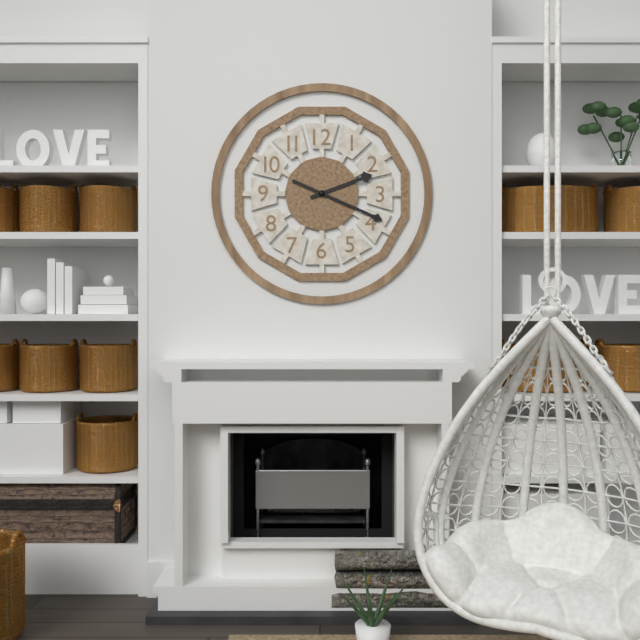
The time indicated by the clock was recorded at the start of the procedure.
2:19
